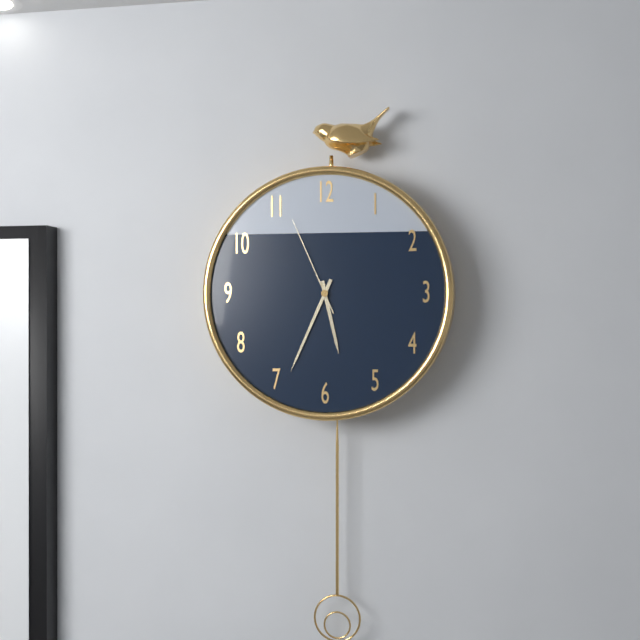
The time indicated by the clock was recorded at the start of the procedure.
5:34:56
